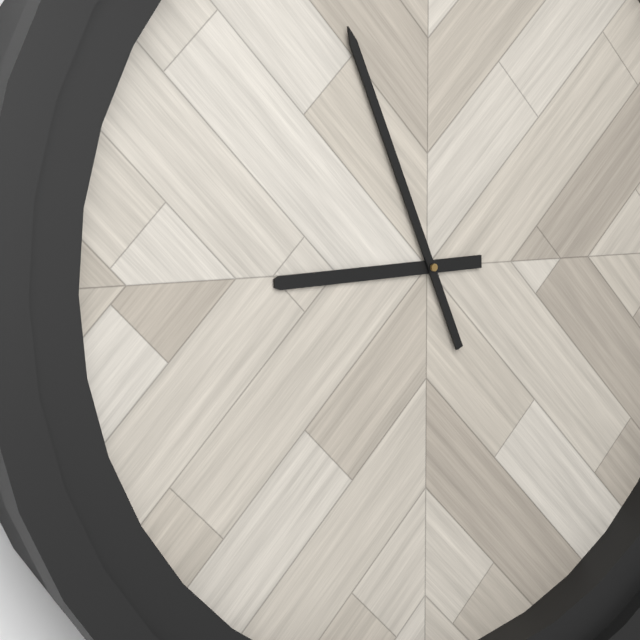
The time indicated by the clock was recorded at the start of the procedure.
8:56
